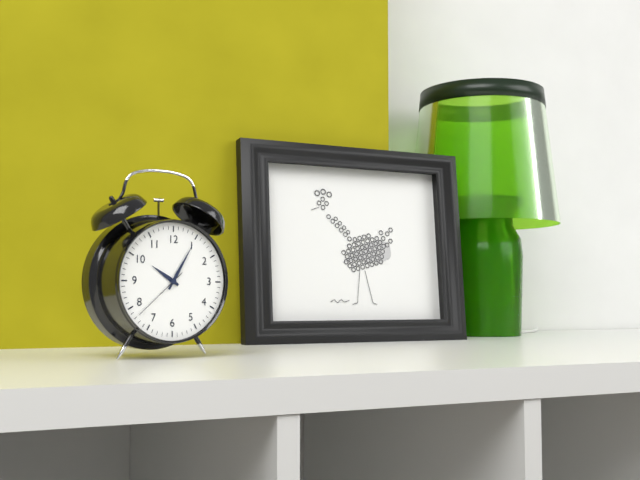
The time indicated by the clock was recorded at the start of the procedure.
10:05:38
